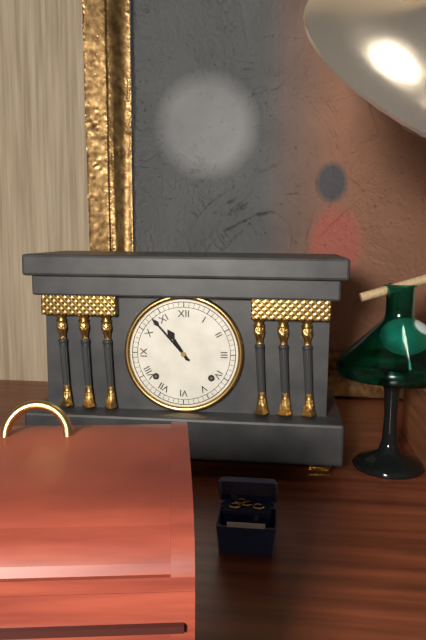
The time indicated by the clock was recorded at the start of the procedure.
10:53
